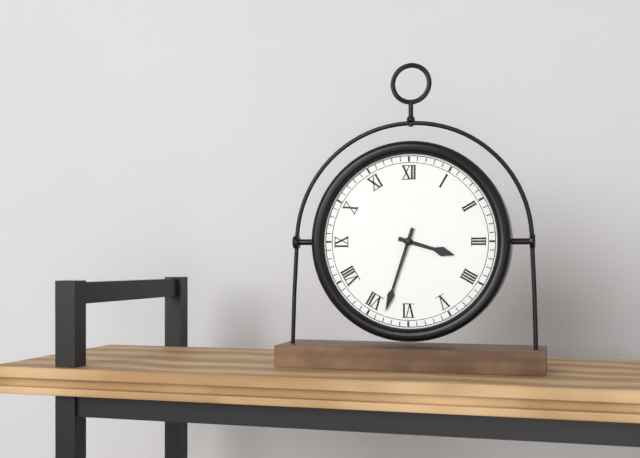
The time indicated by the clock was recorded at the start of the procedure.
3:33
